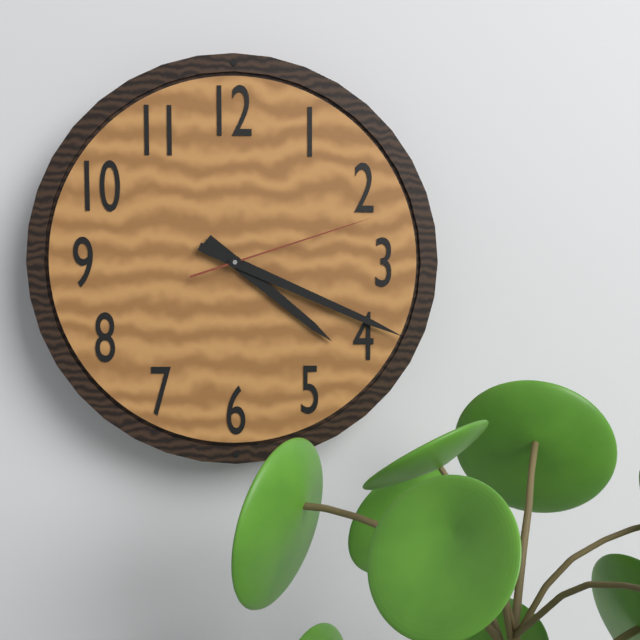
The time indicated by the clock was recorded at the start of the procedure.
4:19:12
